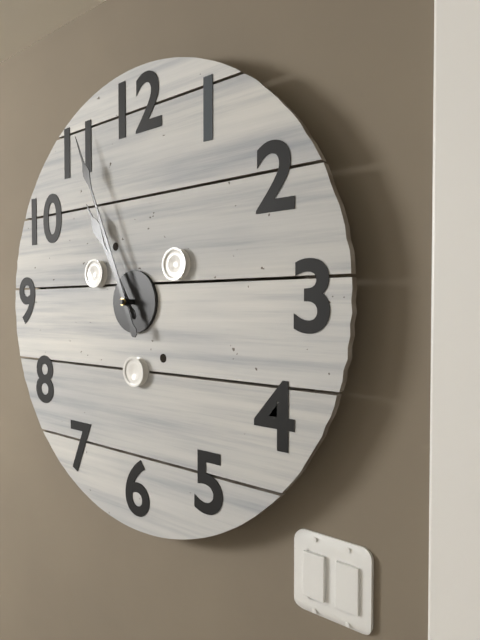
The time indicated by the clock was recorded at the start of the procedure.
10:56
